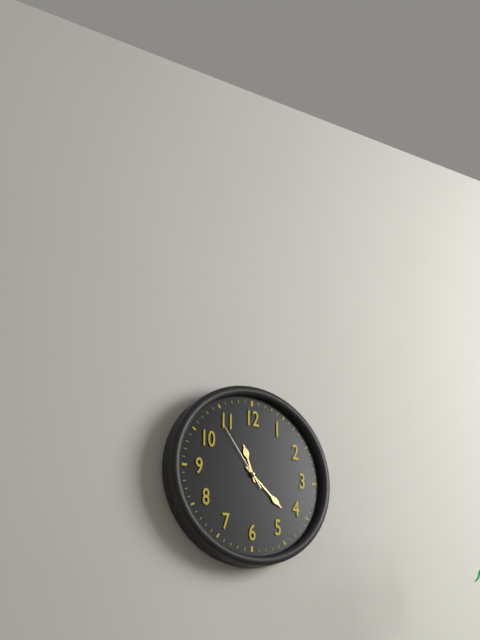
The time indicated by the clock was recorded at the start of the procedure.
11:22:54
